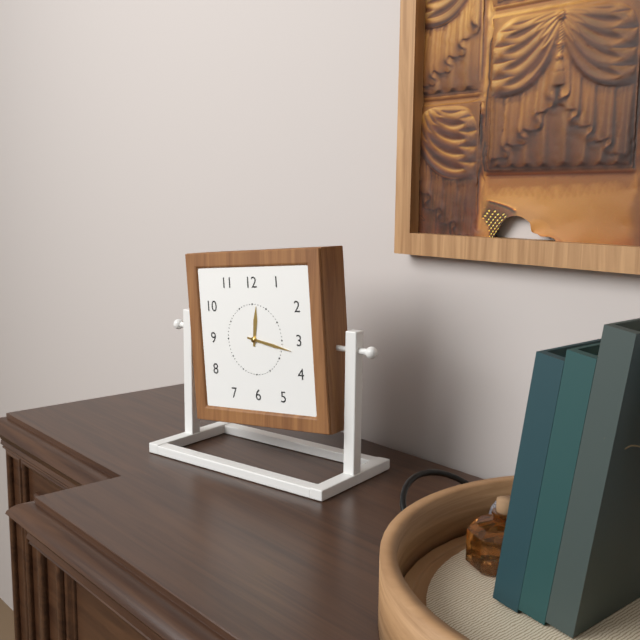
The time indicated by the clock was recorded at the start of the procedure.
12:17
